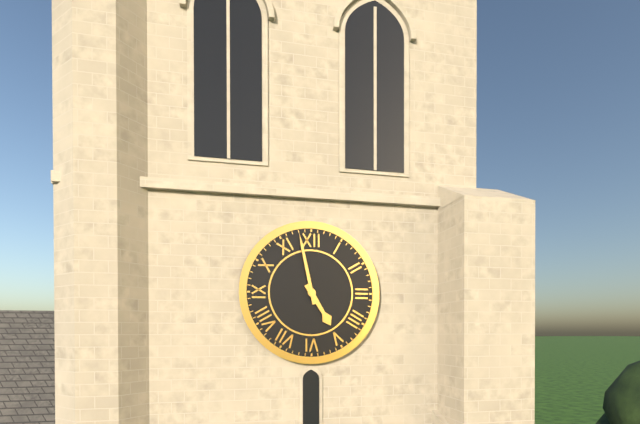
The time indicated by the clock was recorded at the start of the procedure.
4:58
